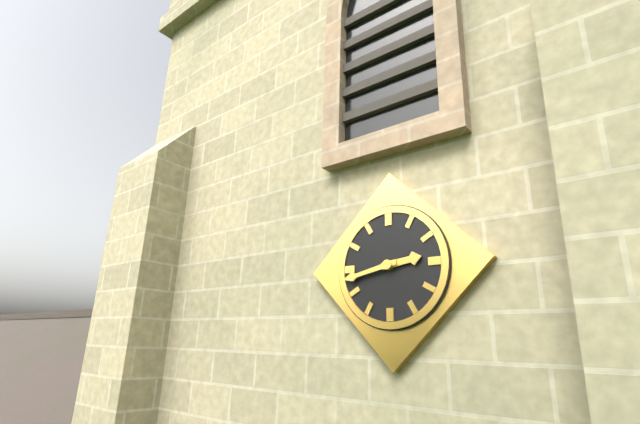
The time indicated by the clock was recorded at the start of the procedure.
2:43
